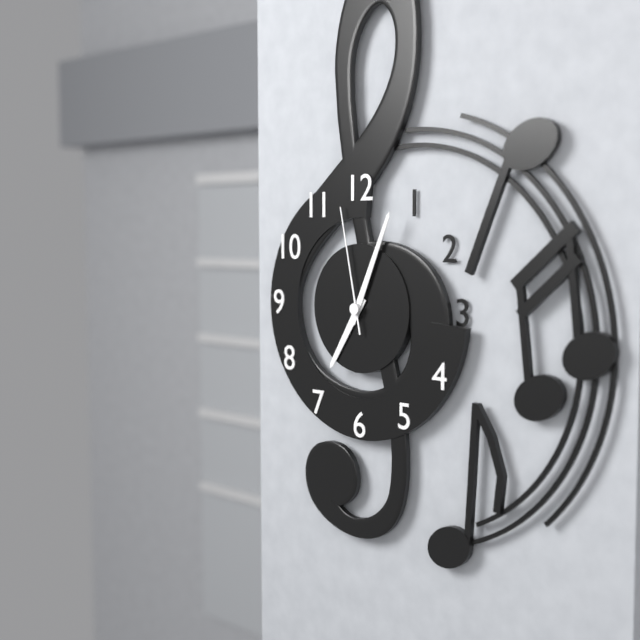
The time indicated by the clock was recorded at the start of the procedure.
7:04:58
